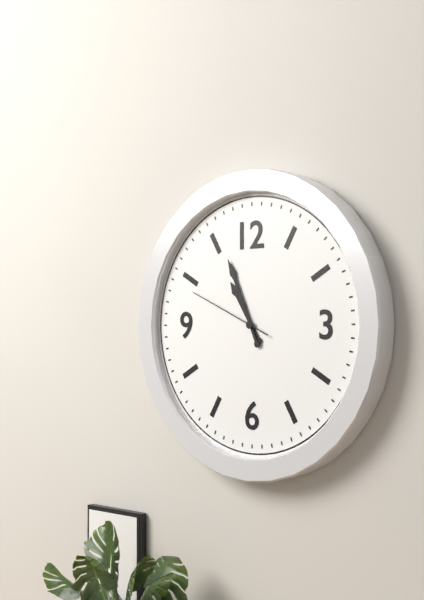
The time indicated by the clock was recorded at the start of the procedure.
10:56:49
